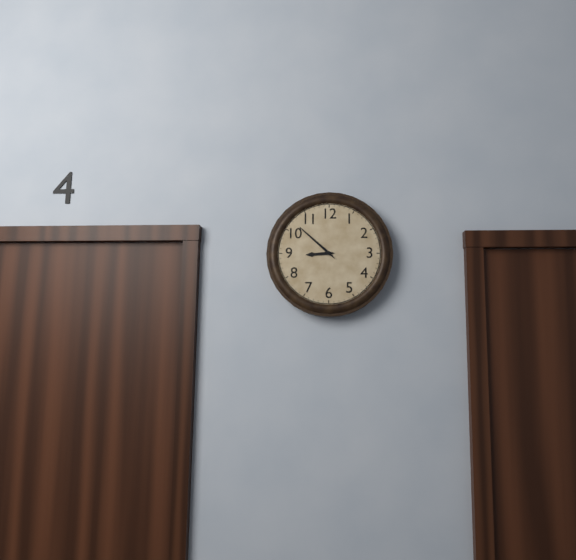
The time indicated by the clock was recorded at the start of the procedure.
8:52
